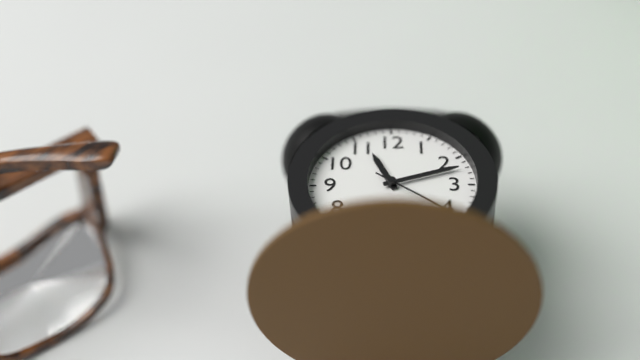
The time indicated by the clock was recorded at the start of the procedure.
11:12
